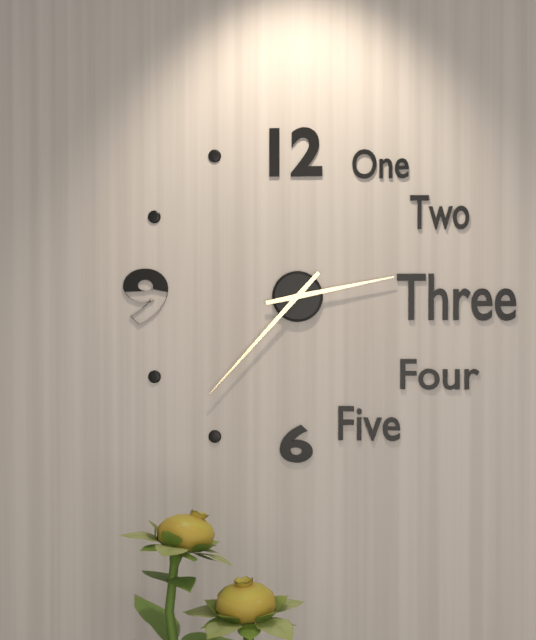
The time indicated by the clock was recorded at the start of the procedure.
2:37
